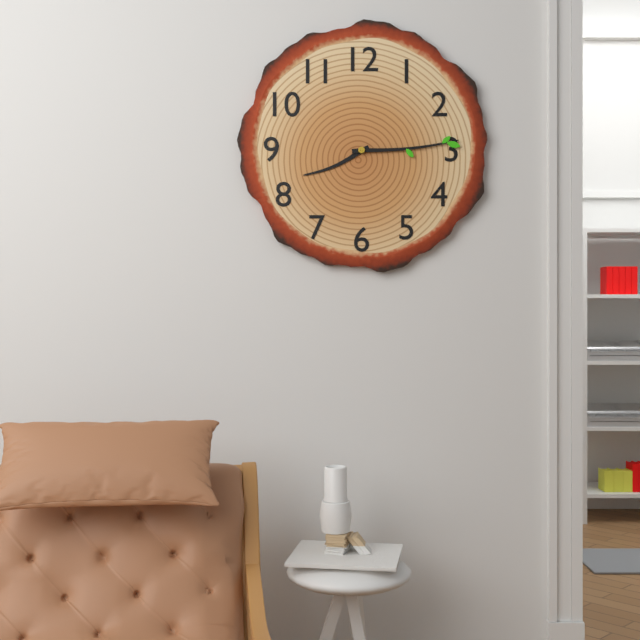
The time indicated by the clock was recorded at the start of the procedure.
8:14
